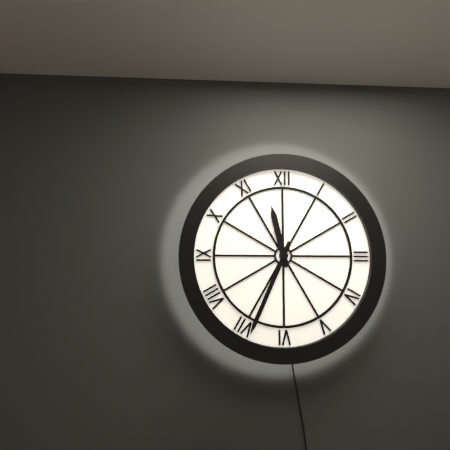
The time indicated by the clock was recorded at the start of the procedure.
11:34
